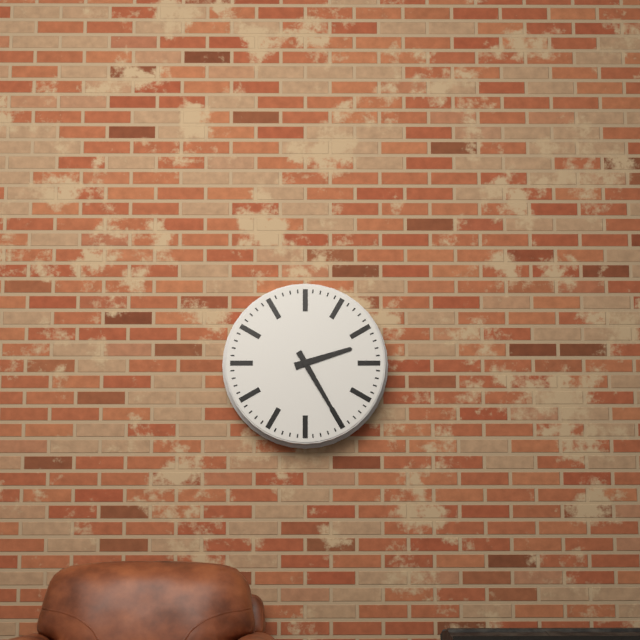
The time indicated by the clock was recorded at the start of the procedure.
2:25
